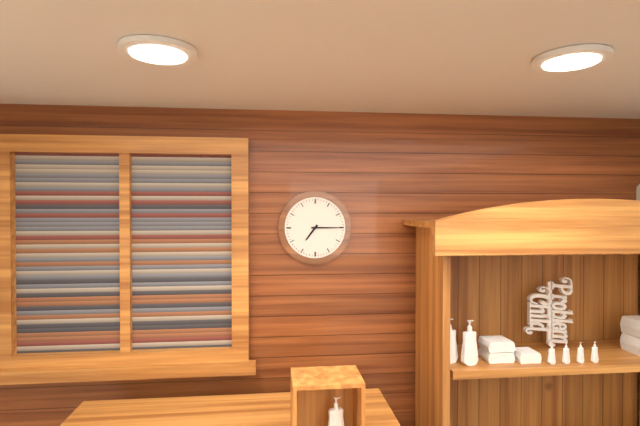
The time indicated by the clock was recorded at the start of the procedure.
7:15
